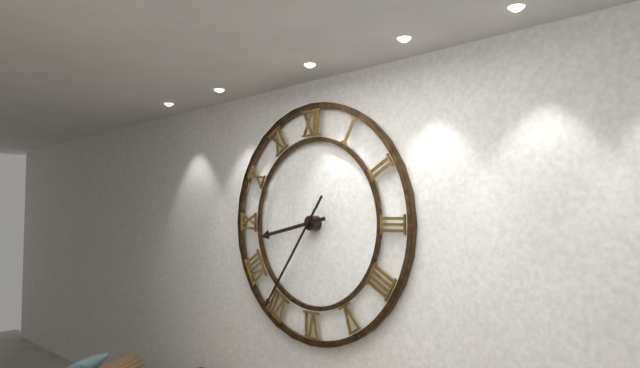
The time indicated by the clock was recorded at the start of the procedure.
8:36
